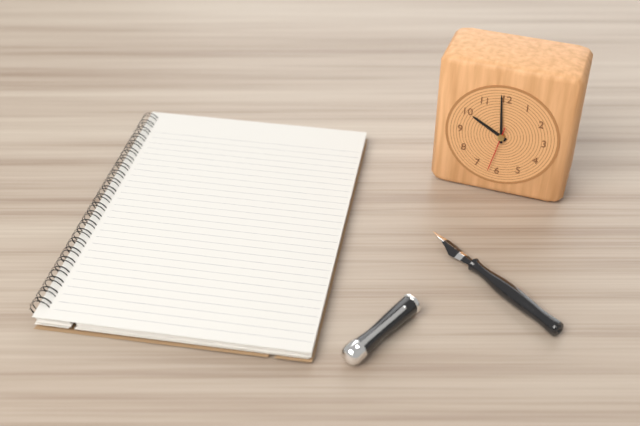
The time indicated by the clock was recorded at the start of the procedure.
9:59
